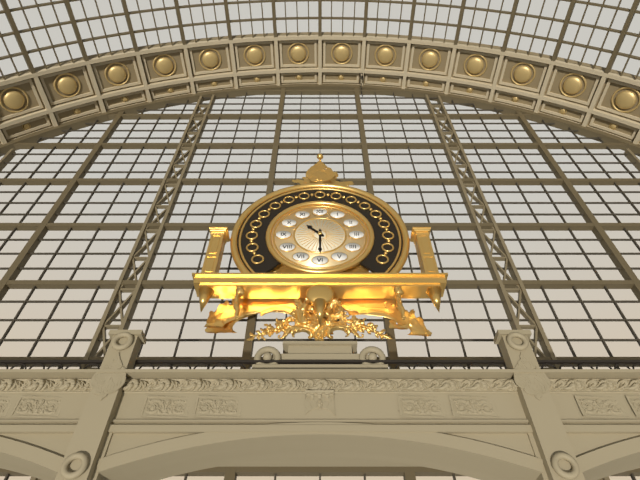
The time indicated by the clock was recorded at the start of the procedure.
10:30
